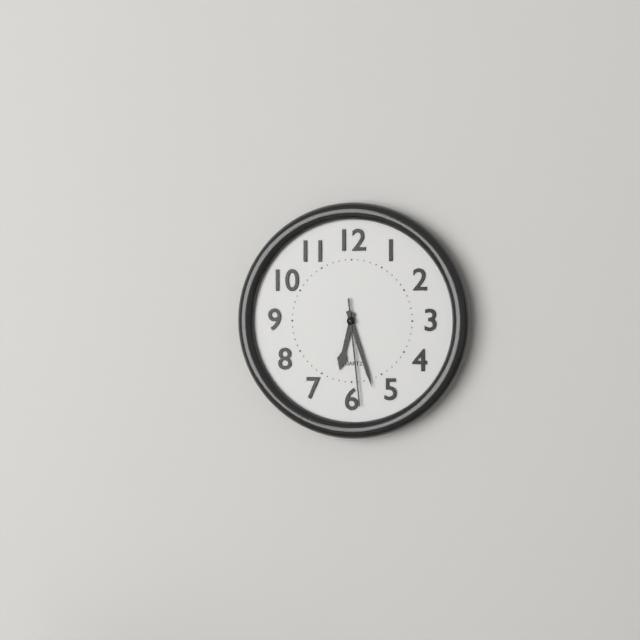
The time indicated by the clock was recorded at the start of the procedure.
6:27:29
